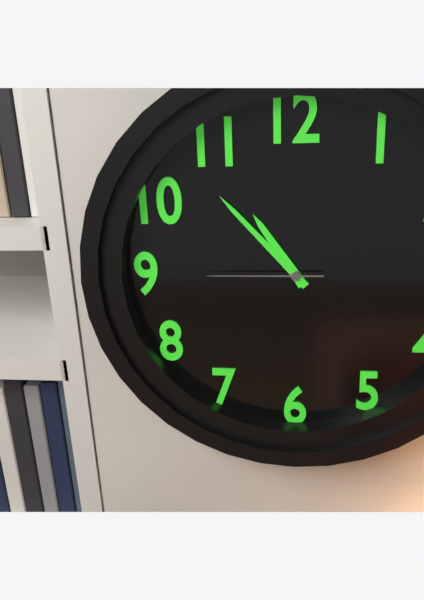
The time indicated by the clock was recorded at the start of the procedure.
10:53:45
